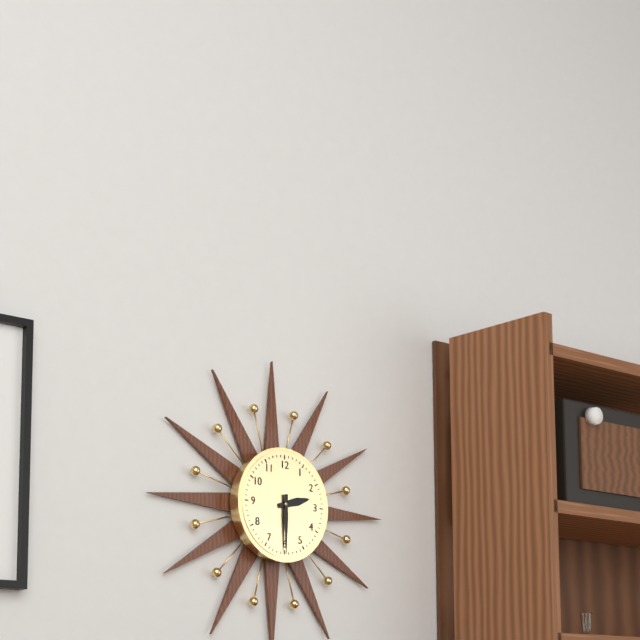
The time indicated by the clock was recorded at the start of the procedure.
2:30
